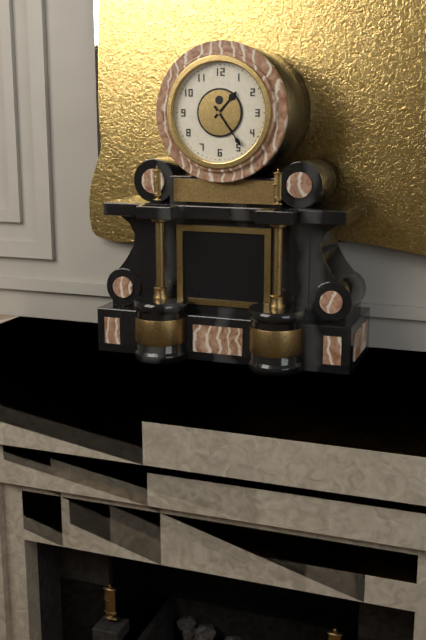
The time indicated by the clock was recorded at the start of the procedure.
1:24
